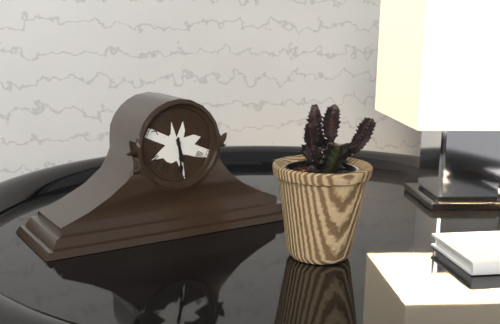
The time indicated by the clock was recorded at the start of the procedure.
5:29
